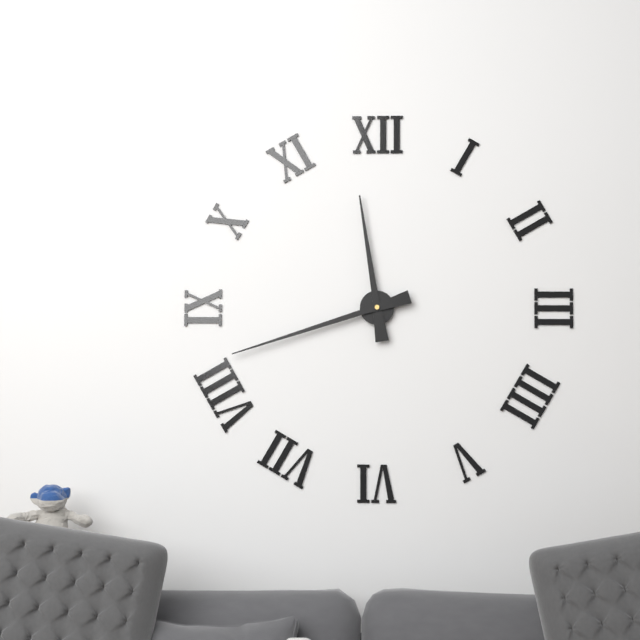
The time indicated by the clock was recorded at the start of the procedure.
11:42
